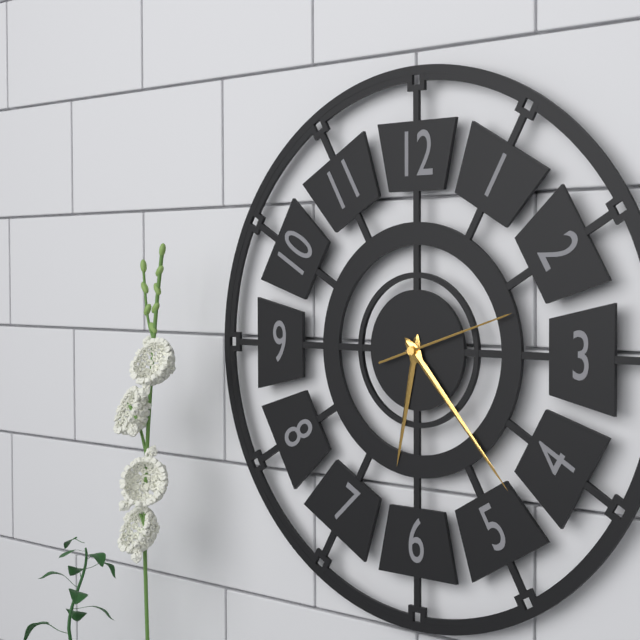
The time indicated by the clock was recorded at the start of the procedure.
6:23:12
